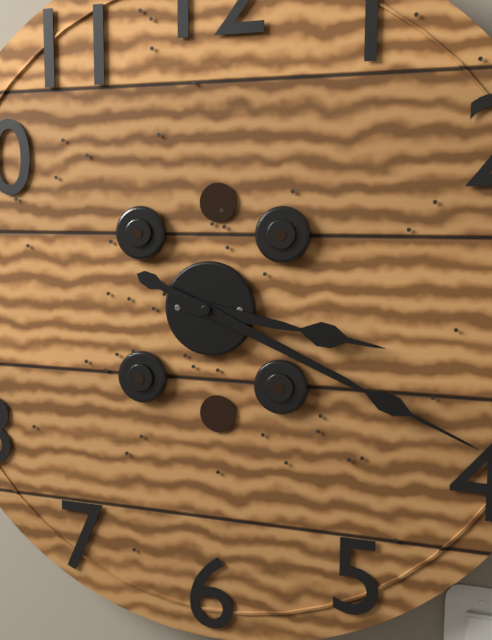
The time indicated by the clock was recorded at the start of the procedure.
3:19
